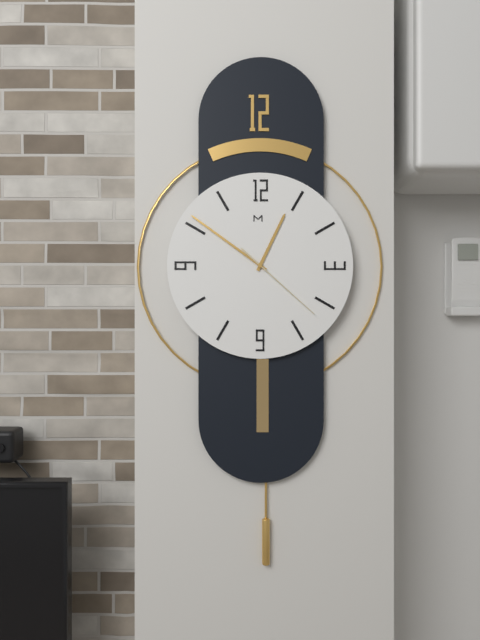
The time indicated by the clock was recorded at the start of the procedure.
12:51:22
